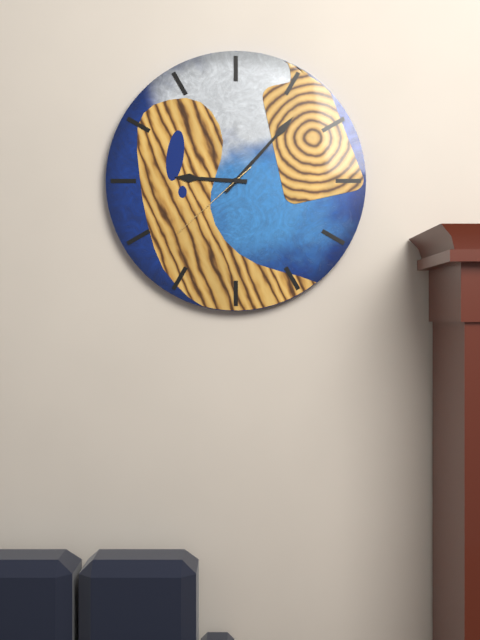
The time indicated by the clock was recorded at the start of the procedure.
9:07:38
